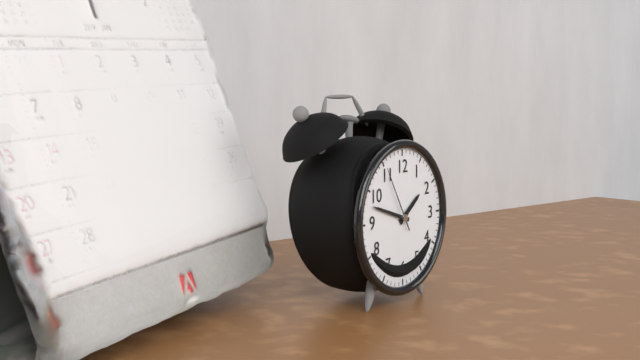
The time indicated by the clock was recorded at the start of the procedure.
1:48:55
